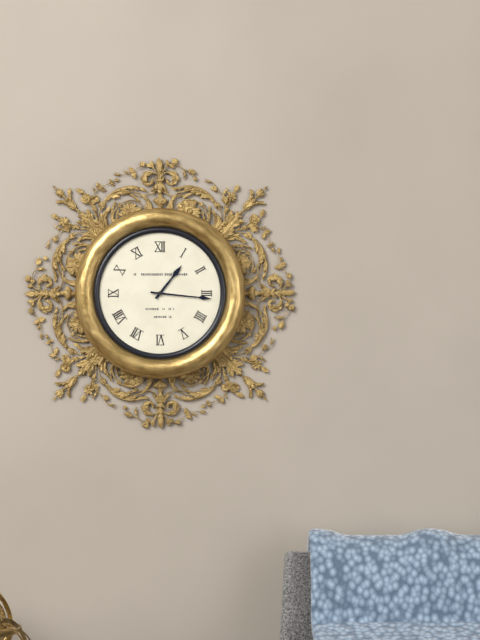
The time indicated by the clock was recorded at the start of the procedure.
1:16
